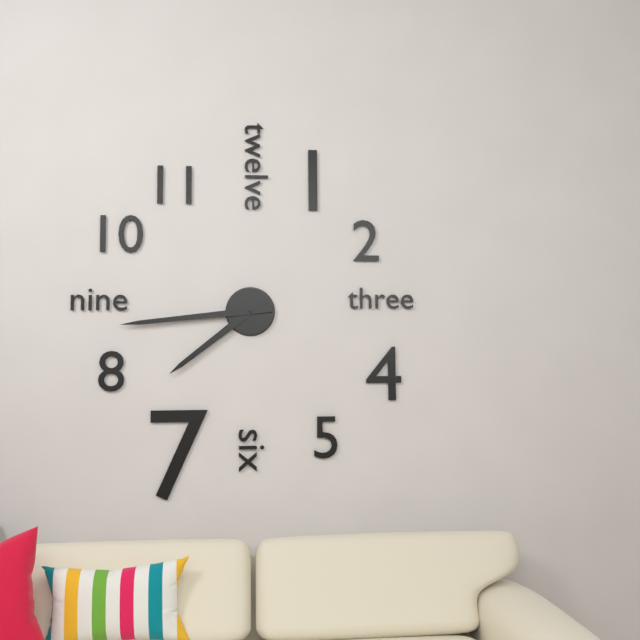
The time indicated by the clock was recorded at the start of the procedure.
7:44
